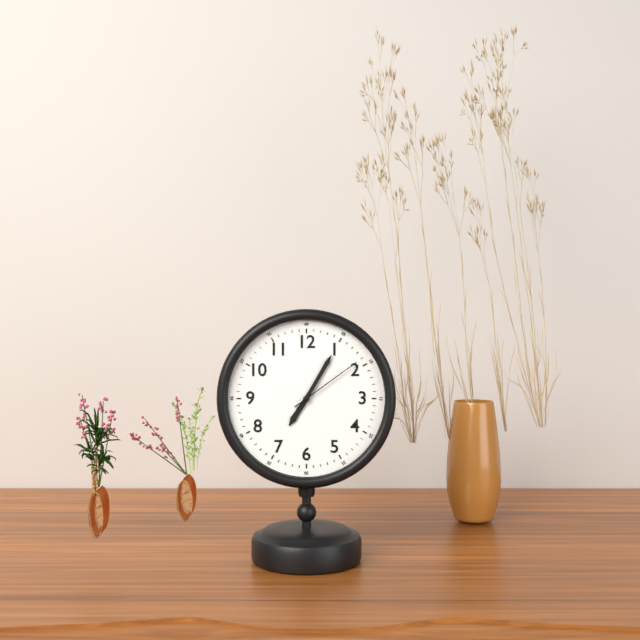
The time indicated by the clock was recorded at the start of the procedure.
7:05:09
